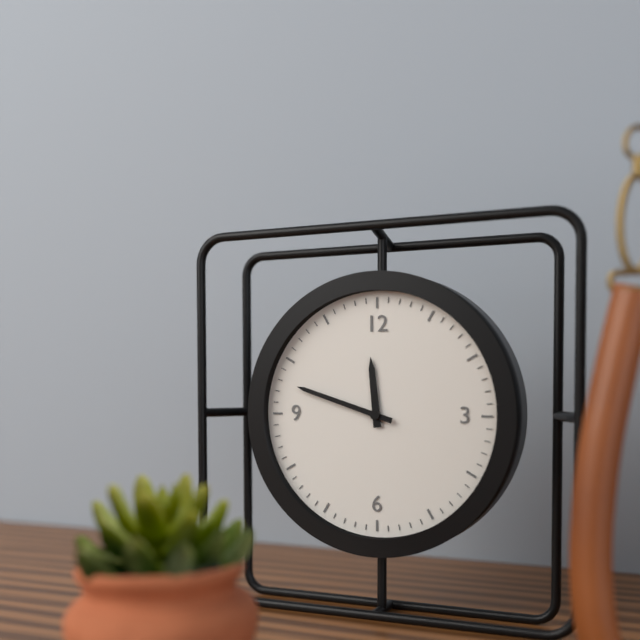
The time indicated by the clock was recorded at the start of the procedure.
11:48
